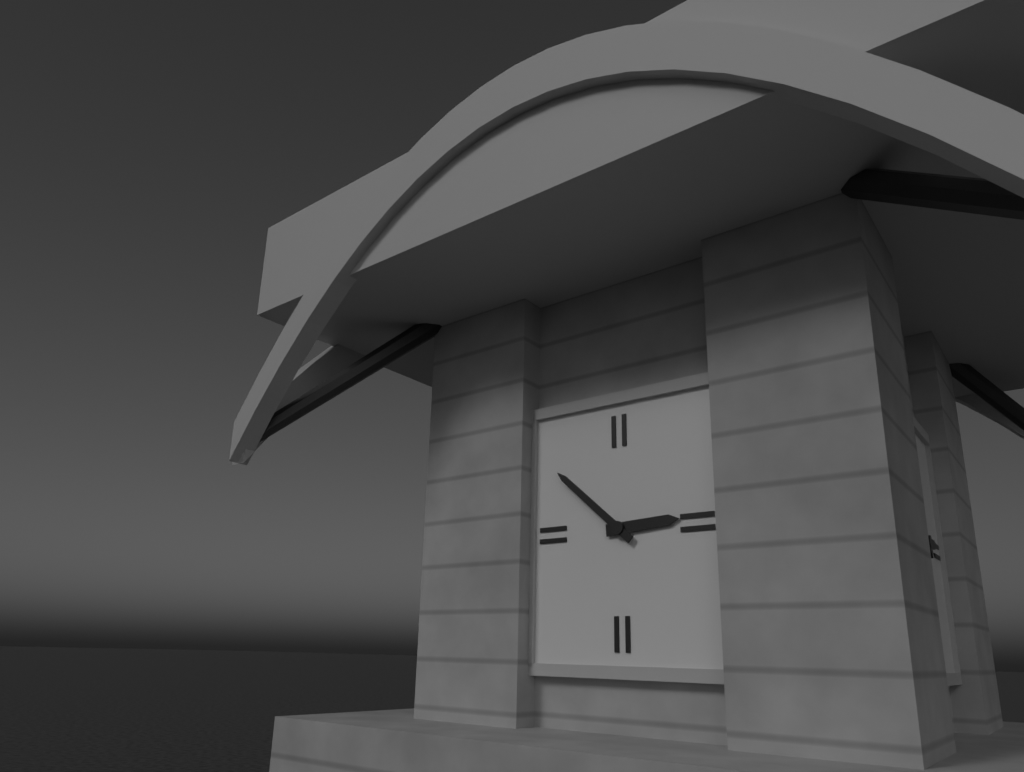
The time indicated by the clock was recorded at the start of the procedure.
2:52
